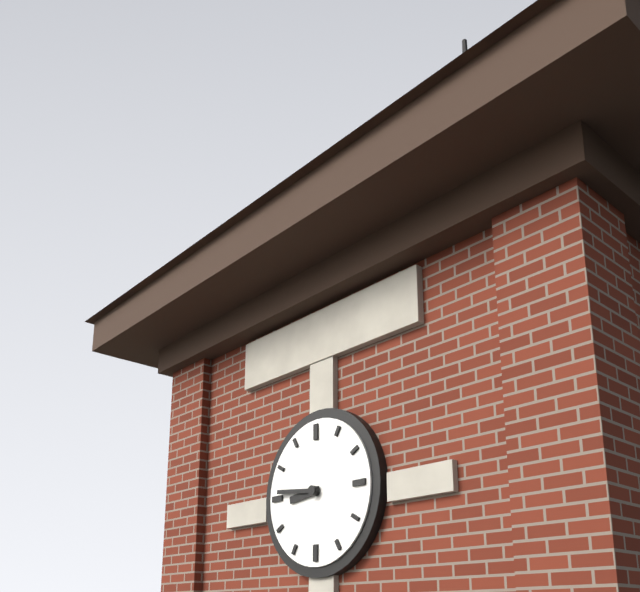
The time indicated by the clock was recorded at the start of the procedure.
8:46
